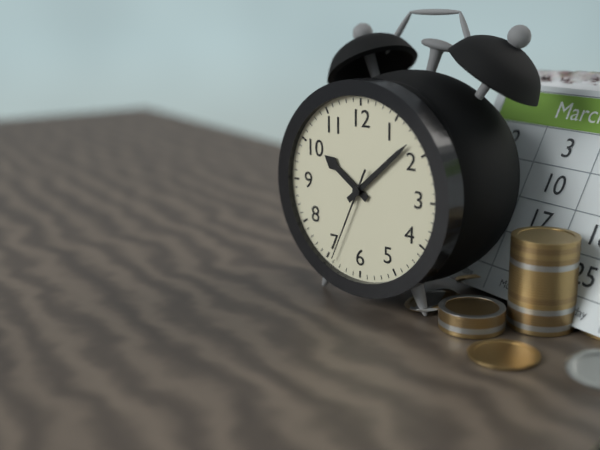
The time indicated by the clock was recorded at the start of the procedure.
10:08:34
